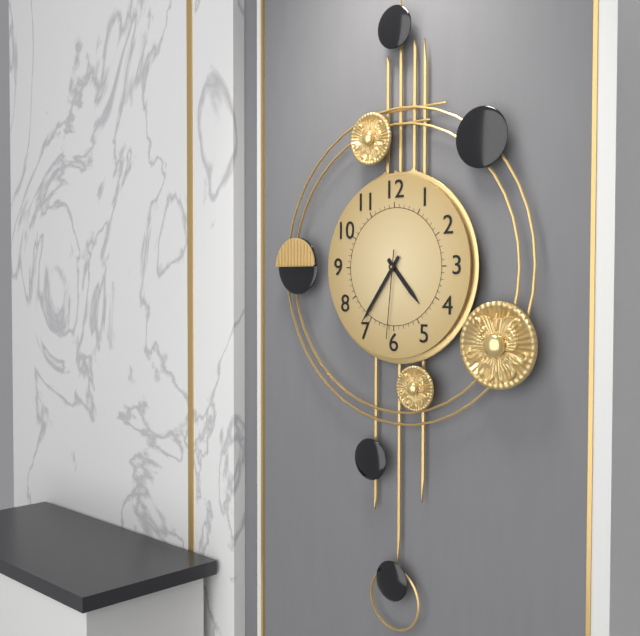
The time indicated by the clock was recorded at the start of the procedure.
4:36:31
